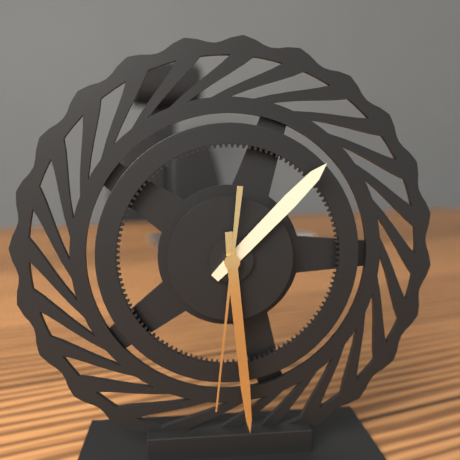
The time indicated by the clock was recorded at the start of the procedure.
1:29:31
